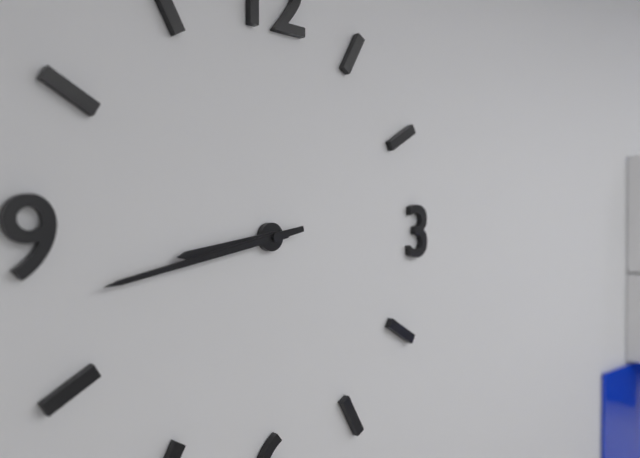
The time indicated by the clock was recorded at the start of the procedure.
8:43
